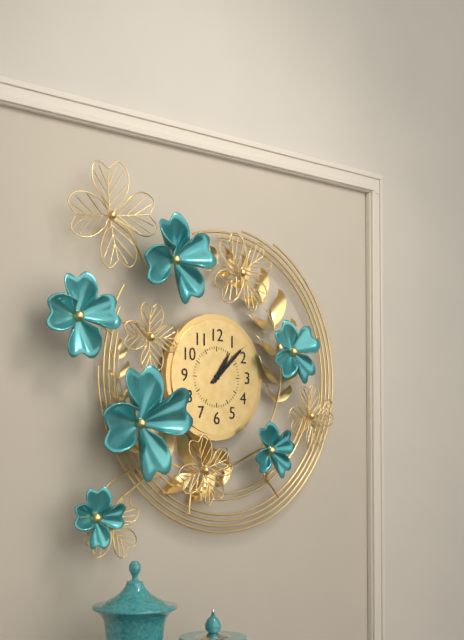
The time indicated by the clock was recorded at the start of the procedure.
1:08
